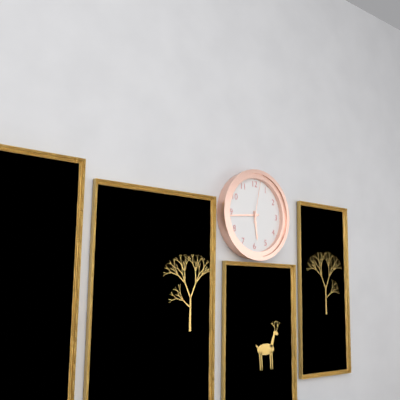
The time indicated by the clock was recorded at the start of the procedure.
5:44
